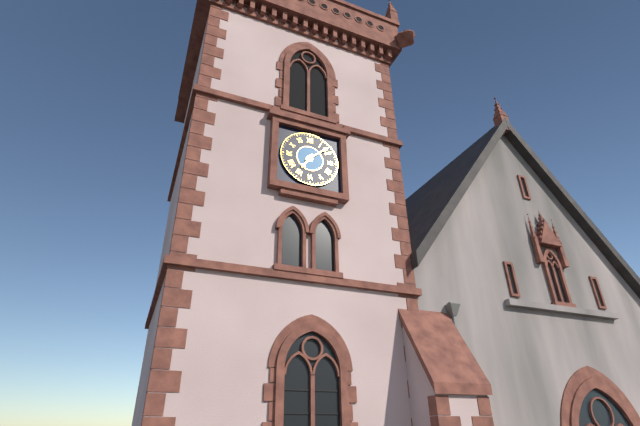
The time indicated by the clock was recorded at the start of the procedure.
7:08
